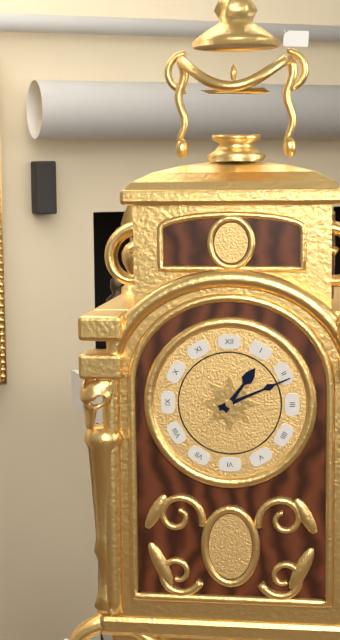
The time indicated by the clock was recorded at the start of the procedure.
1:11
